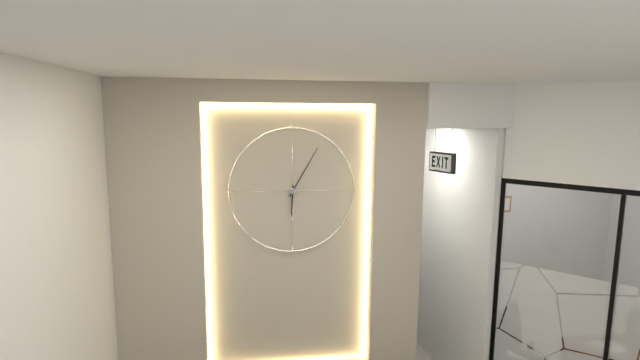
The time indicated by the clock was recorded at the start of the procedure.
6:05
